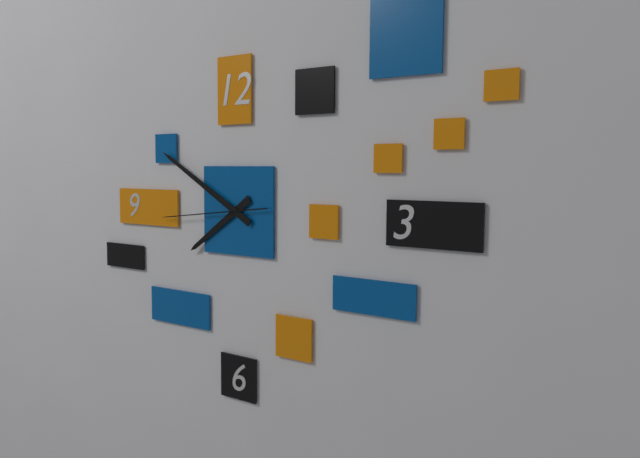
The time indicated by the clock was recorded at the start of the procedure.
7:50:44
